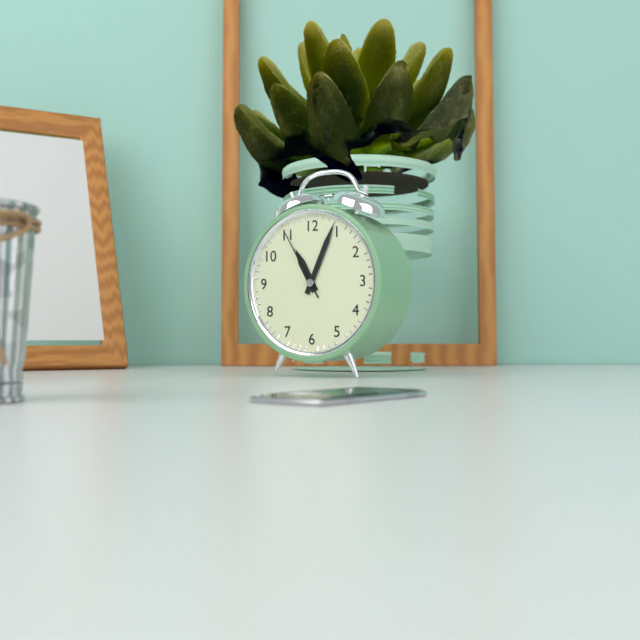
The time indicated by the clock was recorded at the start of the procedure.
11:04:55
